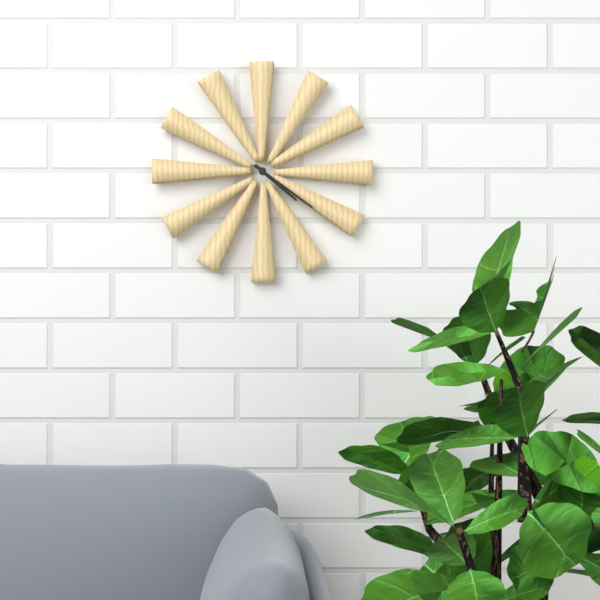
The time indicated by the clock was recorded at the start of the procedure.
4:21
